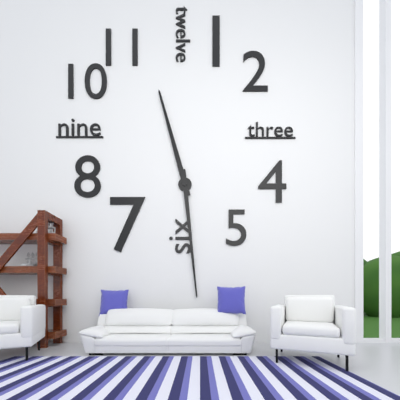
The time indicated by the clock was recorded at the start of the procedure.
11:29
